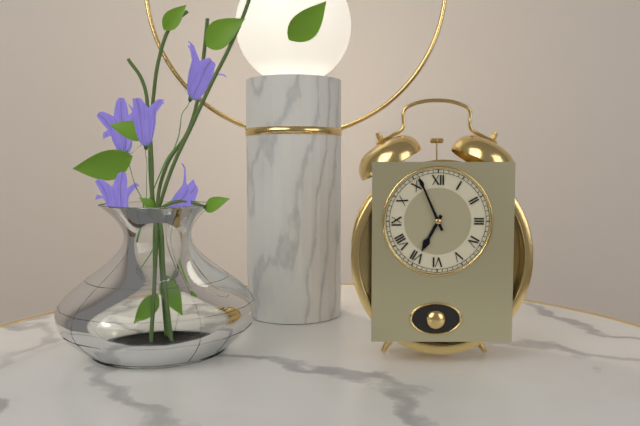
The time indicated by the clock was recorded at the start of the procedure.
6:56
